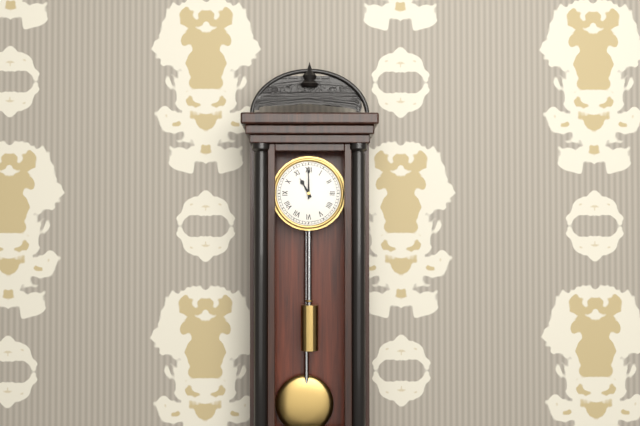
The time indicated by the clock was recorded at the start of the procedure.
11:00
